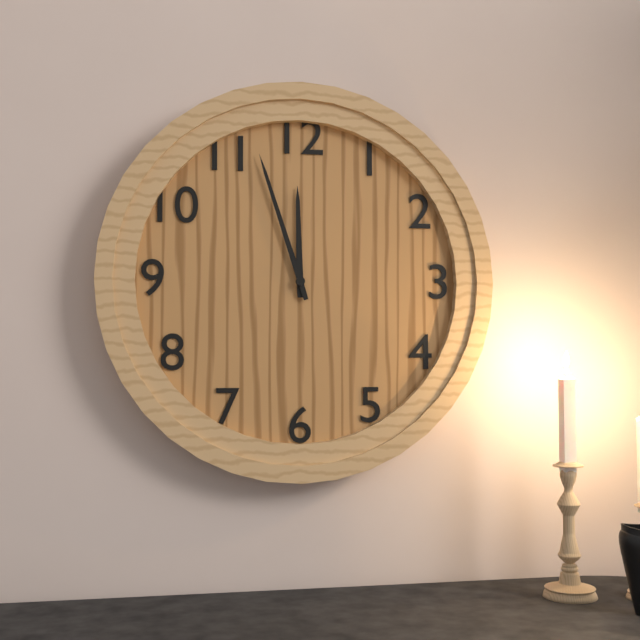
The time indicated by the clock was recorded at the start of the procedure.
11:57
